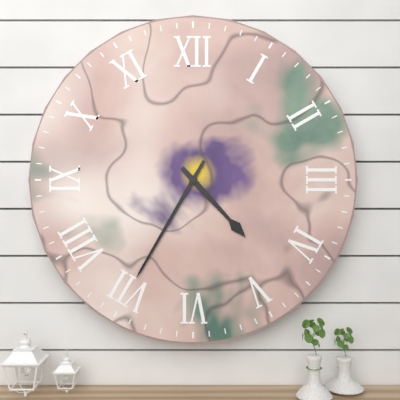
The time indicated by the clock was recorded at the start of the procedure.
4:35
